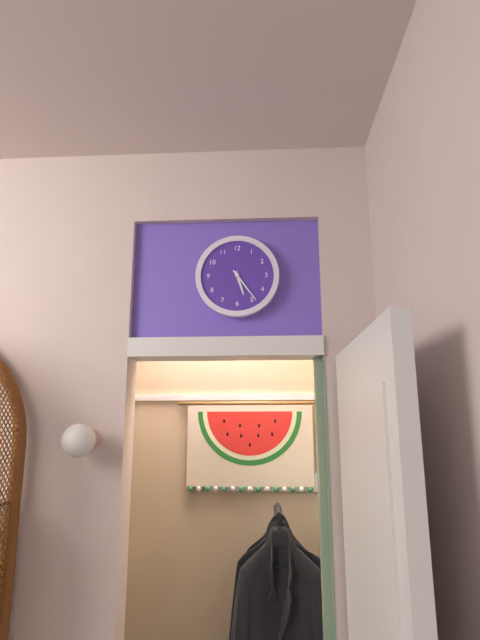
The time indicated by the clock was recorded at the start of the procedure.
5:24
